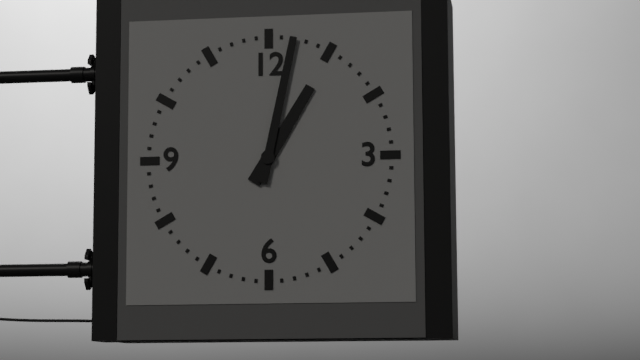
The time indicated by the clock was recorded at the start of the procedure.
1:02
